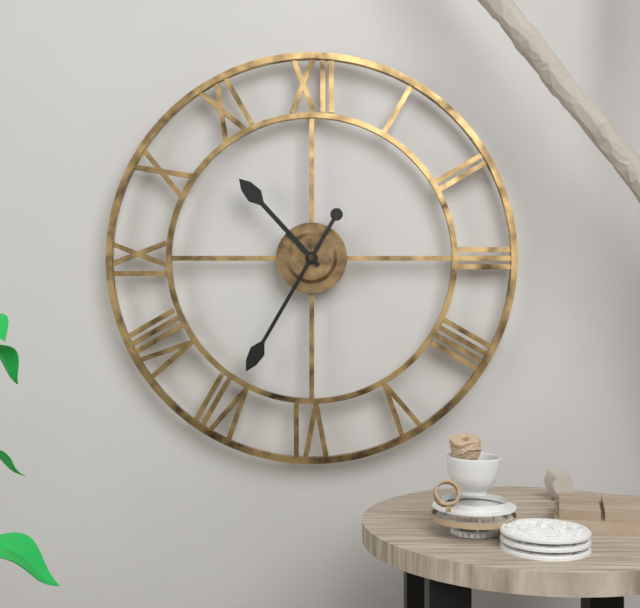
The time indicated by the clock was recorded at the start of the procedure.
10:35
